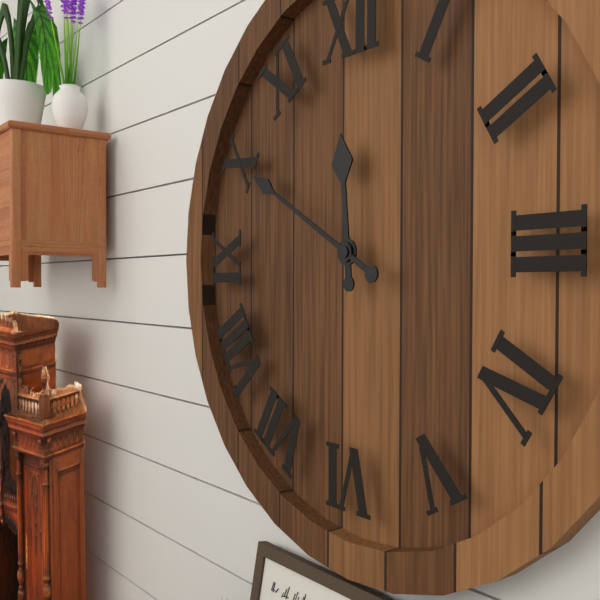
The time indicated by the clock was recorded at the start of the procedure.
11:50
